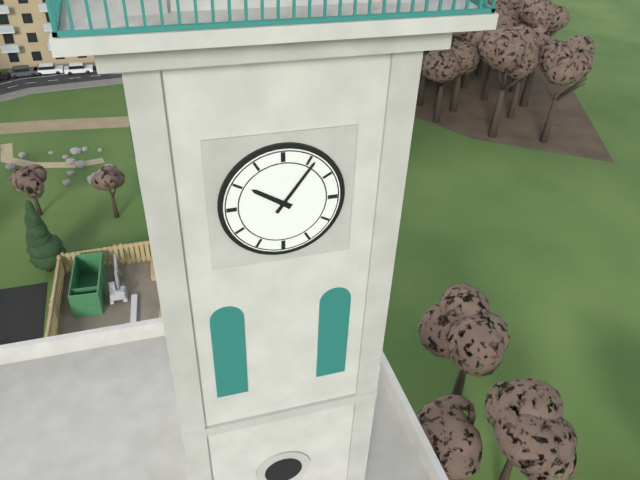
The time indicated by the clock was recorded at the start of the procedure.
10:06
